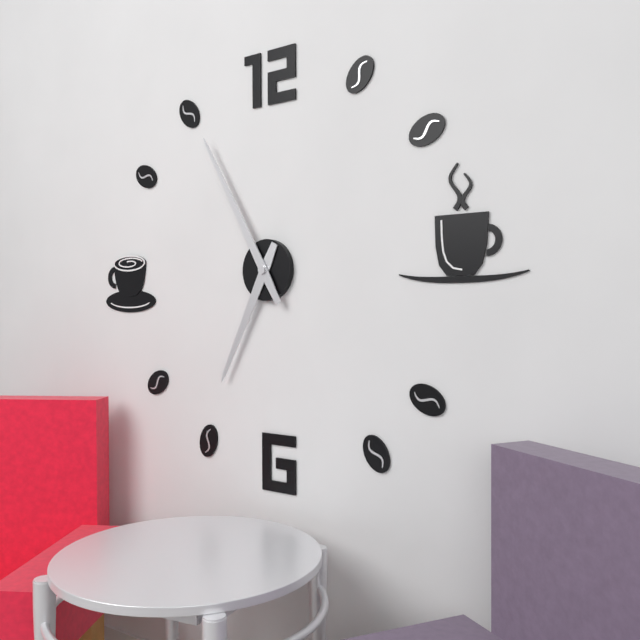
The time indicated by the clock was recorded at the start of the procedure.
6:55
